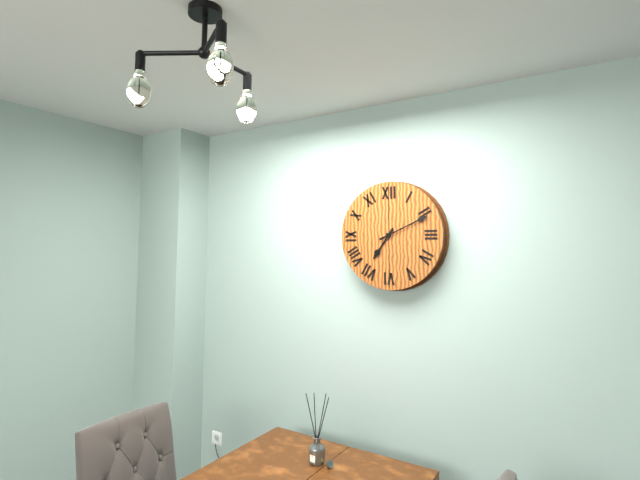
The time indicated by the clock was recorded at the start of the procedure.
7:11
